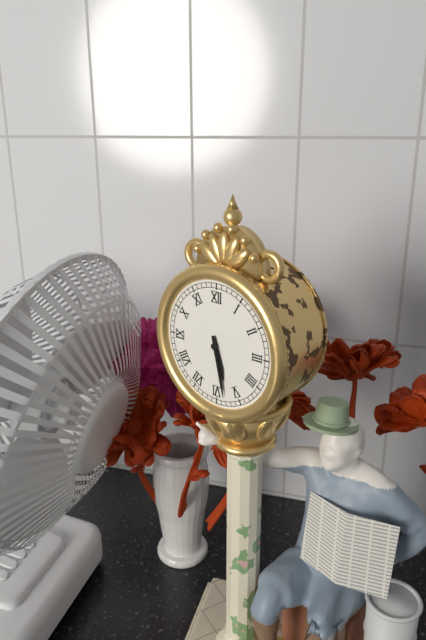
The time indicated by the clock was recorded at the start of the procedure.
5:28
